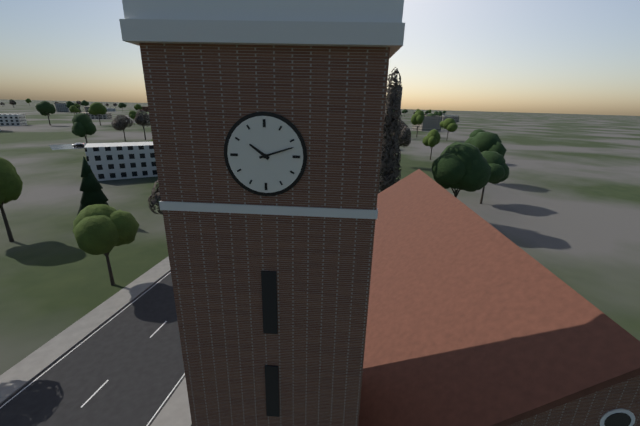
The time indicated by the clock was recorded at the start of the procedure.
10:12
